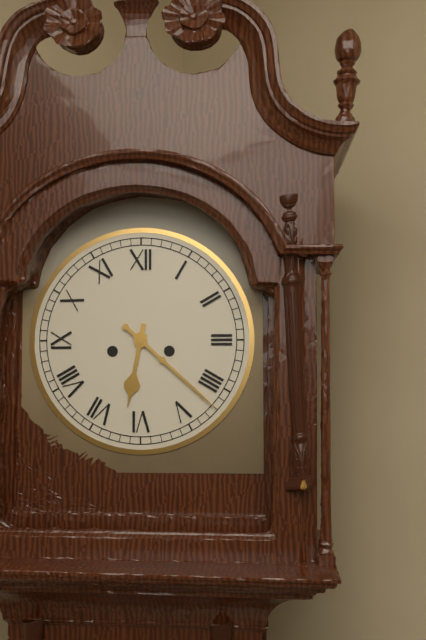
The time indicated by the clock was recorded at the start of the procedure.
6:22
